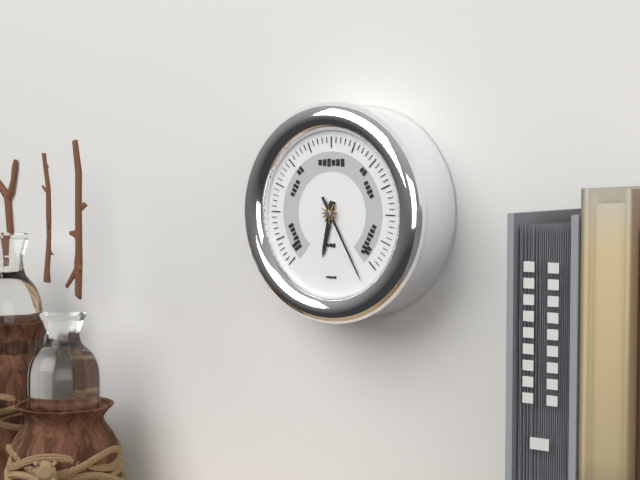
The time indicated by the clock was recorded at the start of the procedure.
6:25
